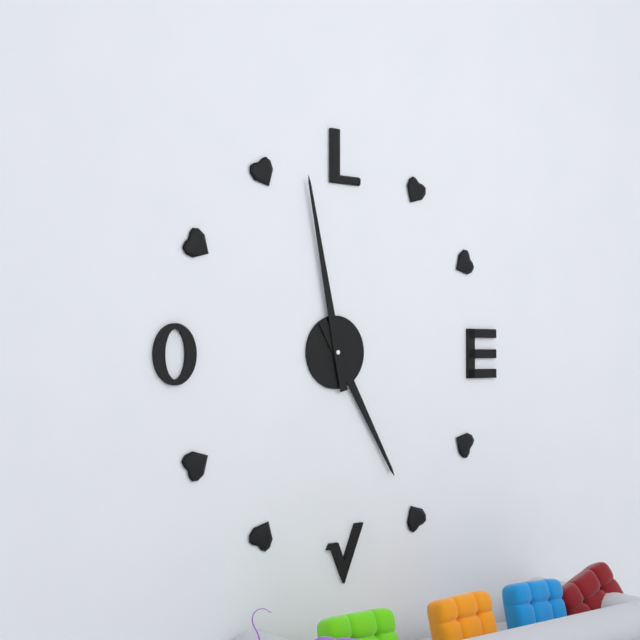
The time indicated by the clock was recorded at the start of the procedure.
4:58
